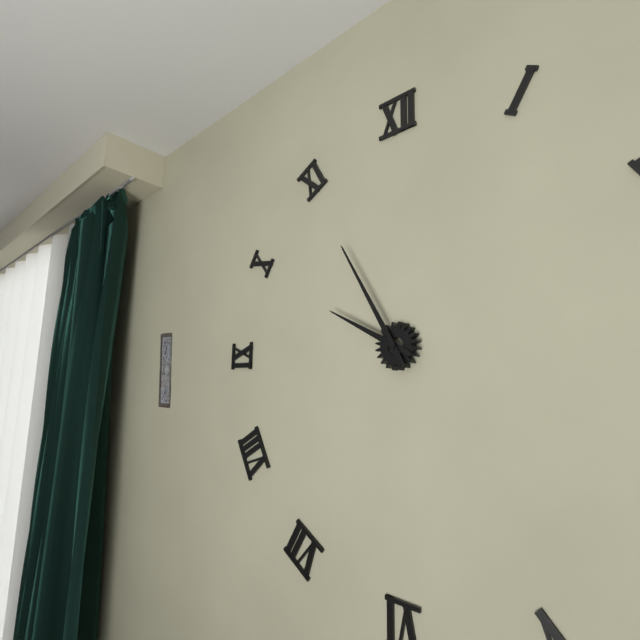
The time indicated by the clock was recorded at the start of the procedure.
9:55
